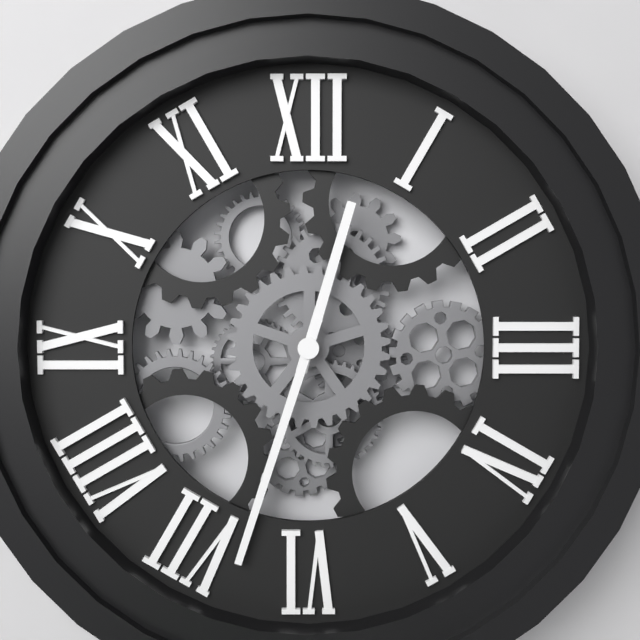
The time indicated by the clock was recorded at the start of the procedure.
12:33
